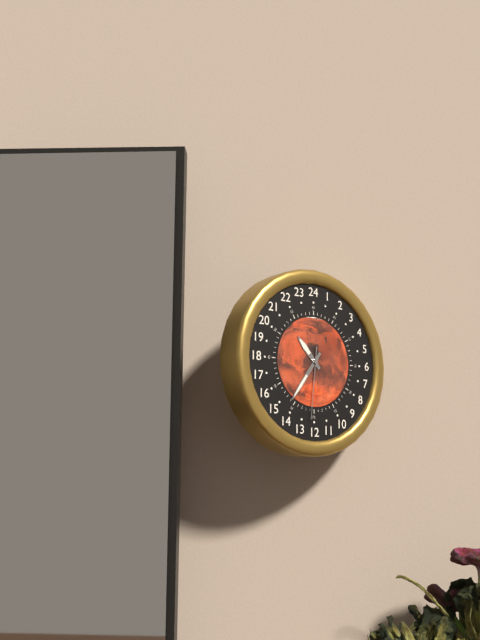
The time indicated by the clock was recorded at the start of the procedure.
10:36:31
